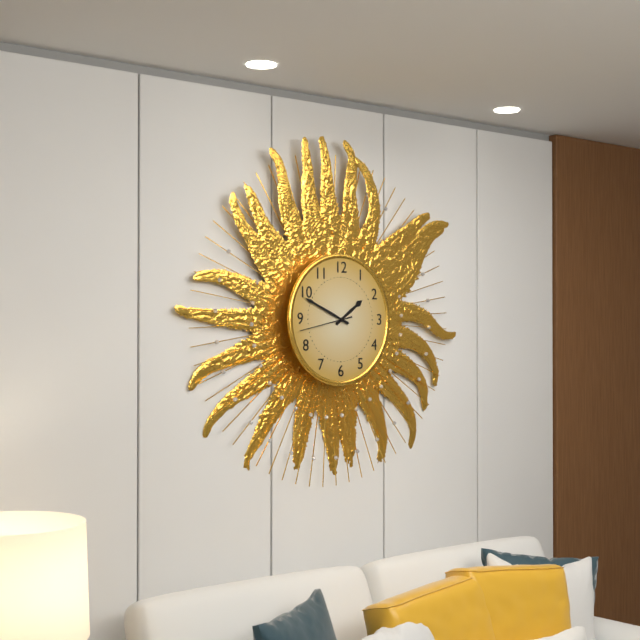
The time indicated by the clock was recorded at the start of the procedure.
1:49:43
